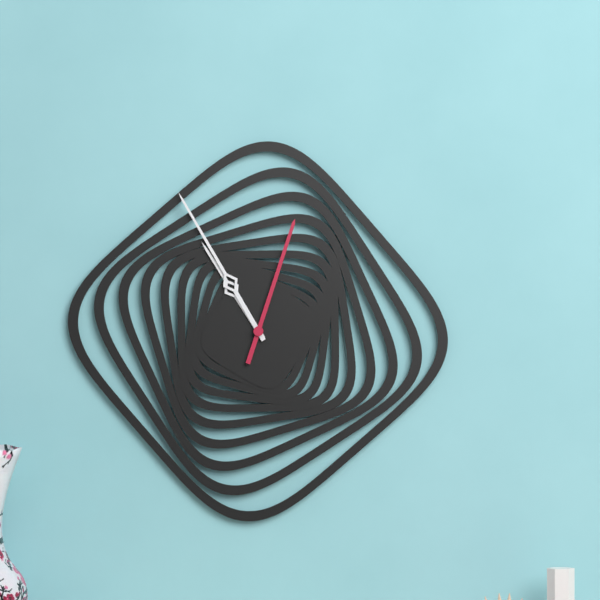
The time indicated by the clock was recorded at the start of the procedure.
10:55:03
